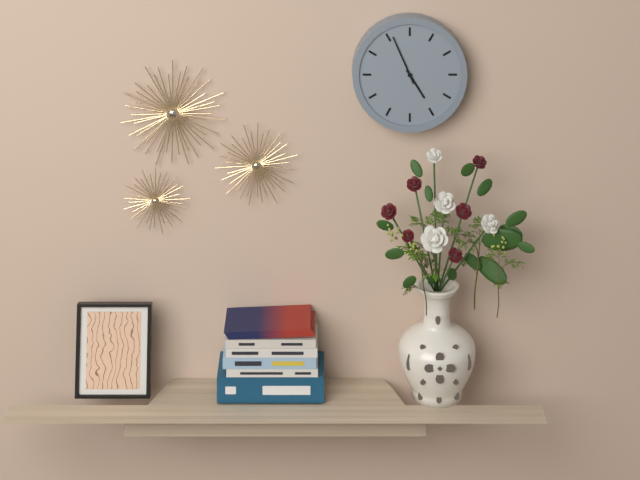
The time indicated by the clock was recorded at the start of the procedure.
4:56
